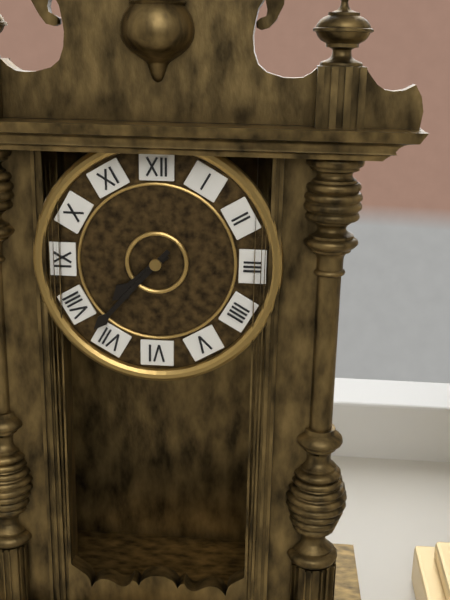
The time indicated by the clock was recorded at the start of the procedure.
7:37
